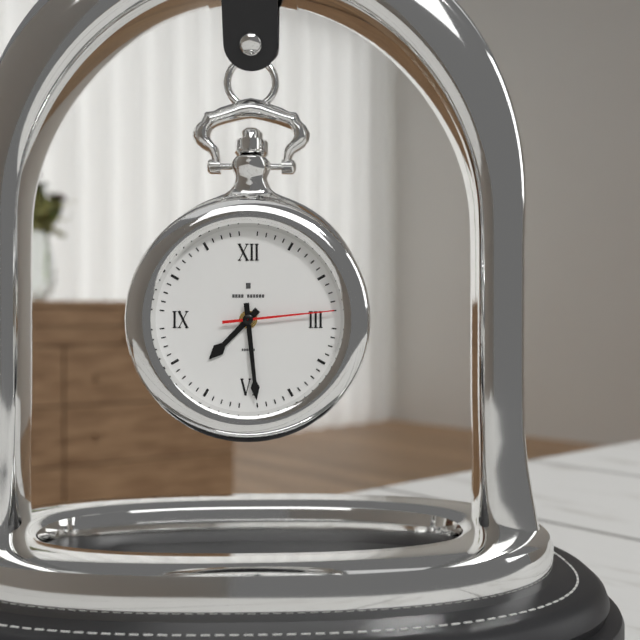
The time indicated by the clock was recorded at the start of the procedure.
7:29:14
